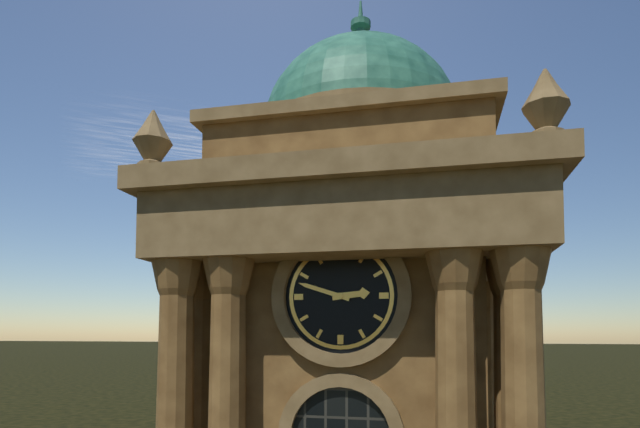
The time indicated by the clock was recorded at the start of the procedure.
2:48
